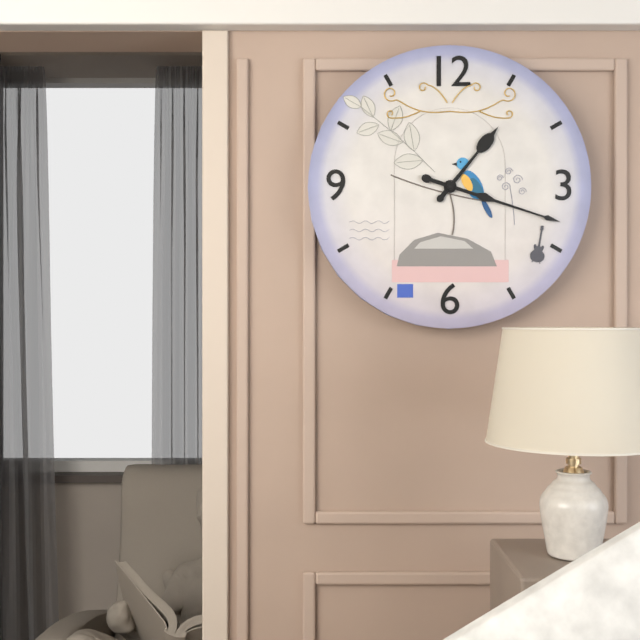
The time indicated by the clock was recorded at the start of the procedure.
1:18
